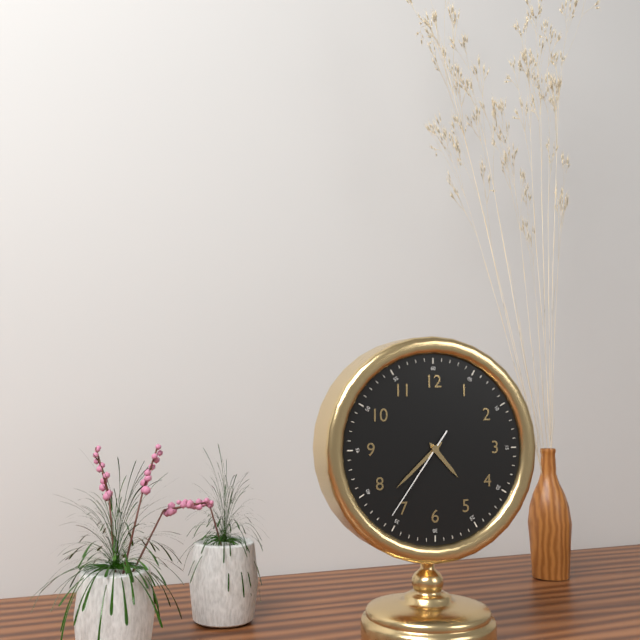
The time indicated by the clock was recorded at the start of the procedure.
4:38:36
